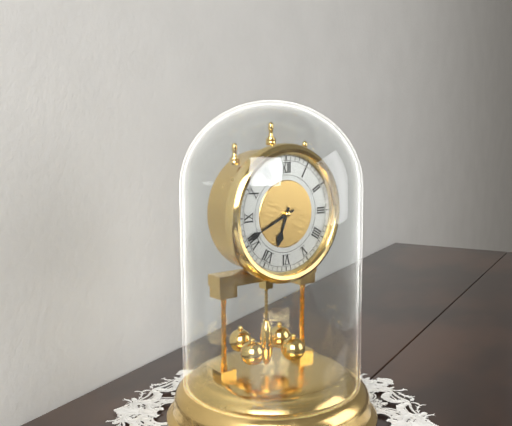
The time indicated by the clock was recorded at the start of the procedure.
6:41
